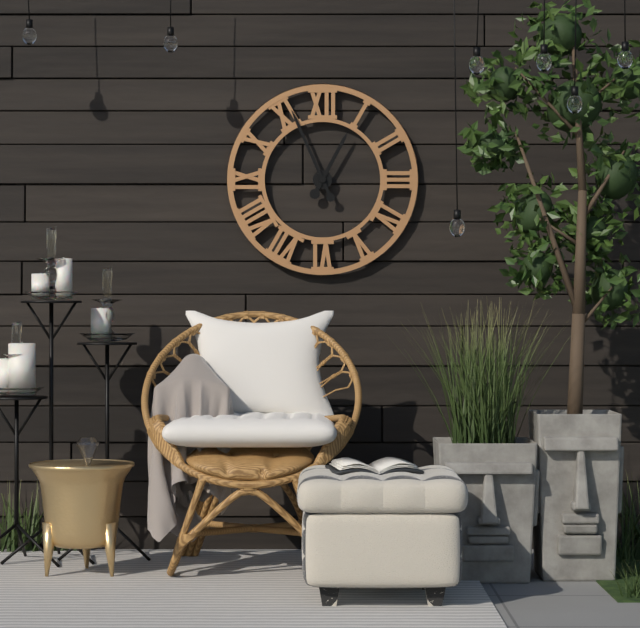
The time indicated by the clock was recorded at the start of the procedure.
12:56
